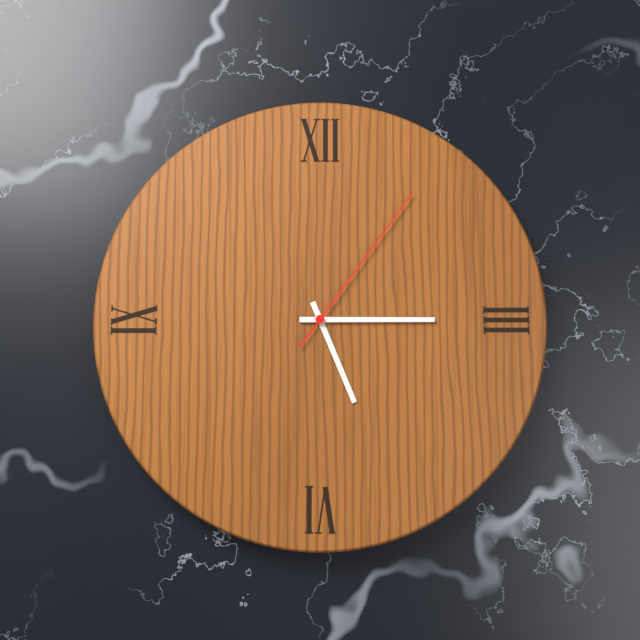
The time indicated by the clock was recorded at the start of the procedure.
5:15:06
